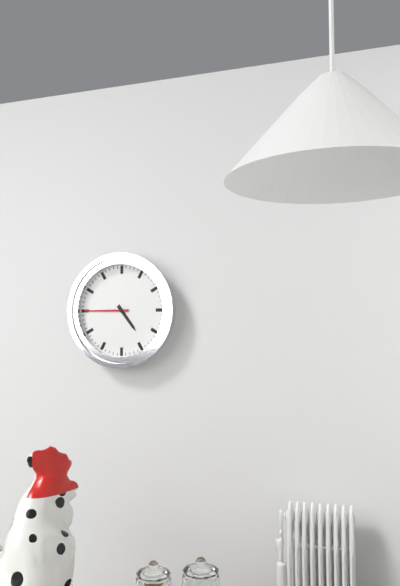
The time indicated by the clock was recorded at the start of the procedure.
4:45
